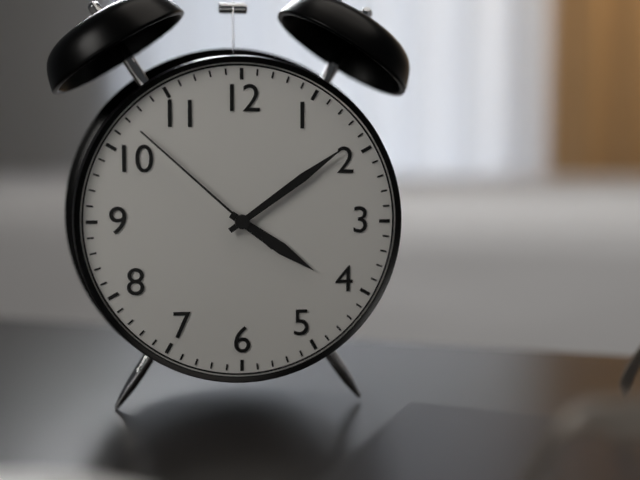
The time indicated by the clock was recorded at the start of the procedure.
4:09:52
